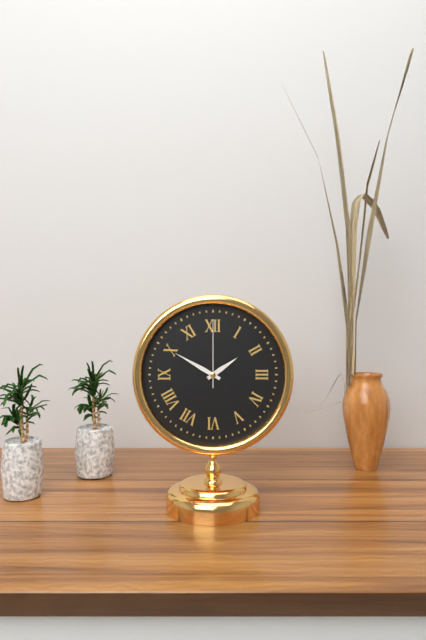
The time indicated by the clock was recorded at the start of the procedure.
1:50:00
